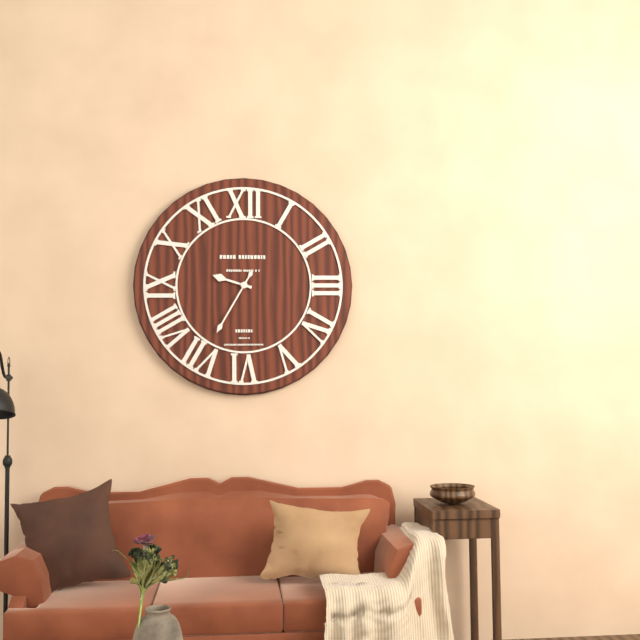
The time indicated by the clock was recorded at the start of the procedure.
9:35
